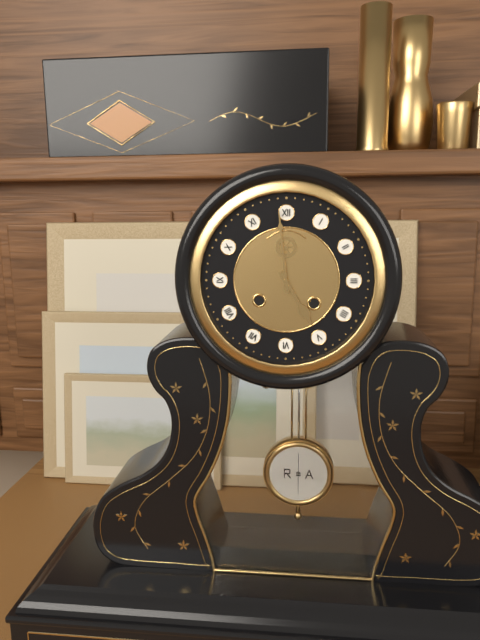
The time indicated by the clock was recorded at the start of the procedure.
4:59
